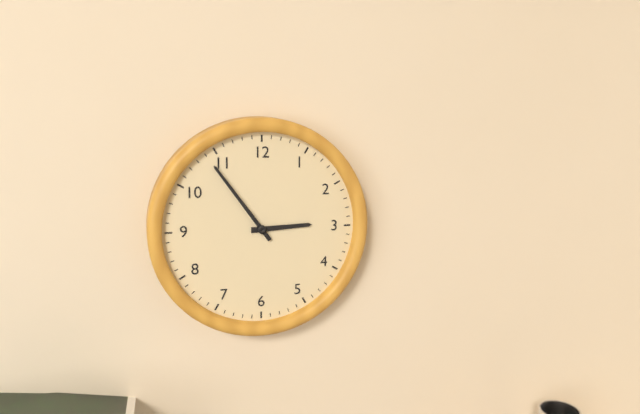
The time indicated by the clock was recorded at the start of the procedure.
2:54
